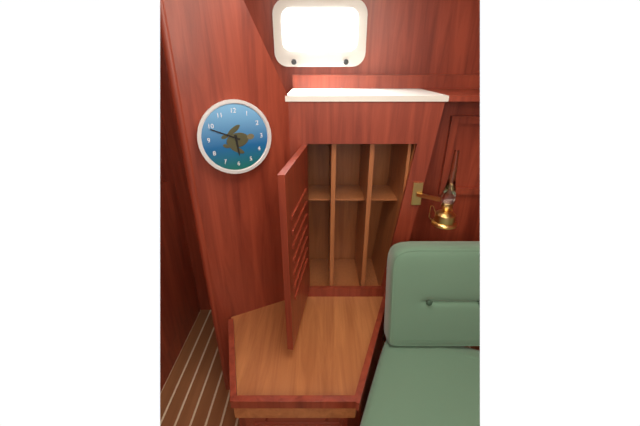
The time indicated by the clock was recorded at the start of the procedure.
5:49
